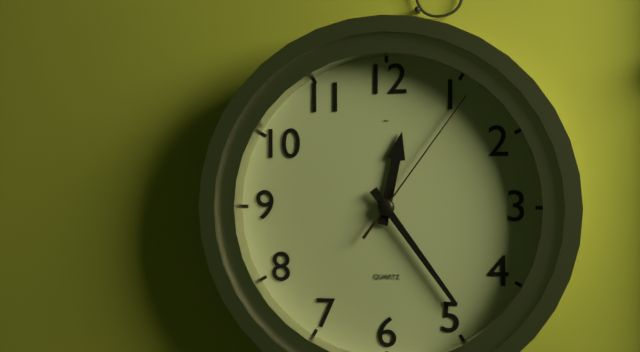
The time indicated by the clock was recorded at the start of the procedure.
12:24:06
